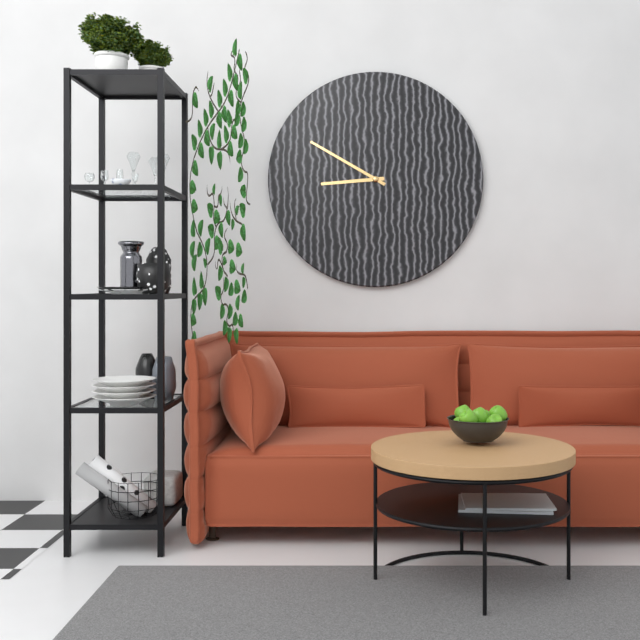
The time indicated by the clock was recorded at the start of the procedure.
8:50
